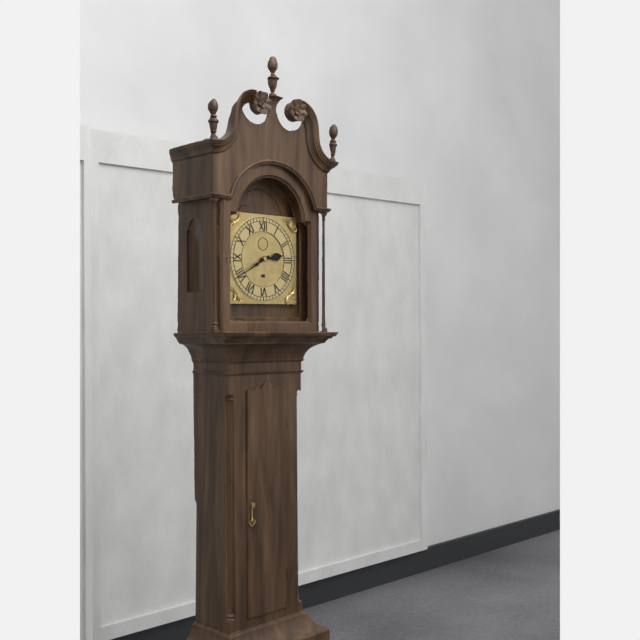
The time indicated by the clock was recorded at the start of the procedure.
2:40
